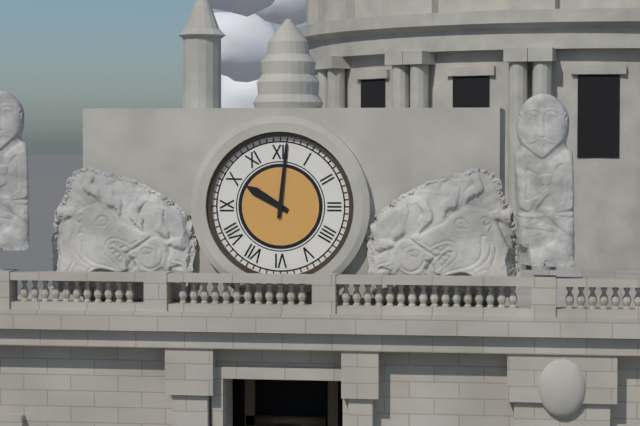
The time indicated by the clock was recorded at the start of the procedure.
10:01
